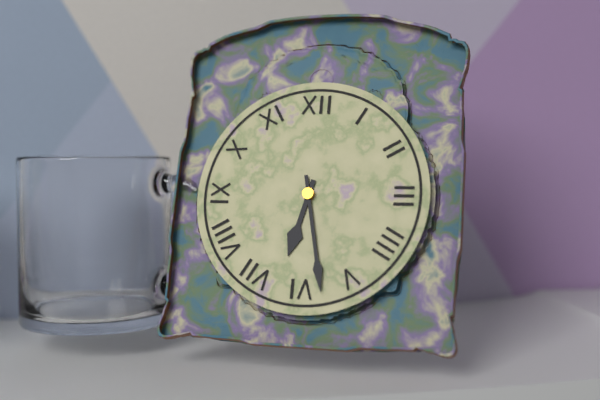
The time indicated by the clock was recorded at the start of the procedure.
6:28
